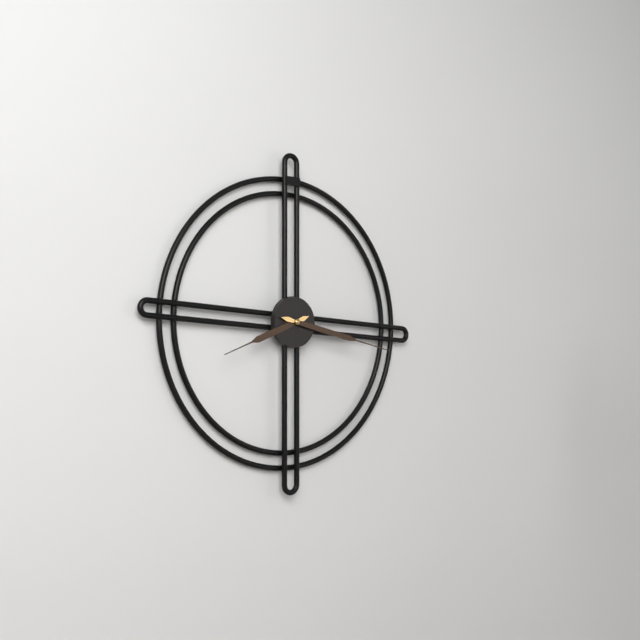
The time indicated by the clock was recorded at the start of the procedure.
8:17
